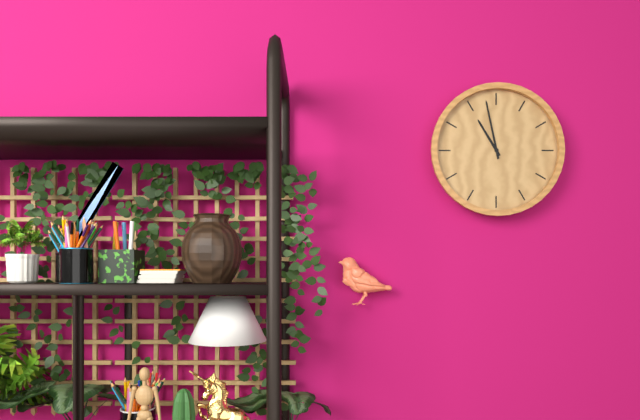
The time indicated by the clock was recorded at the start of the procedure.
10:58
